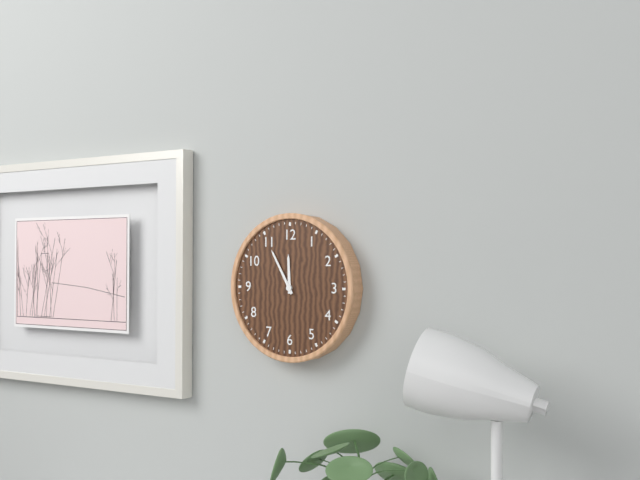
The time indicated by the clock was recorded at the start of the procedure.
11:55
